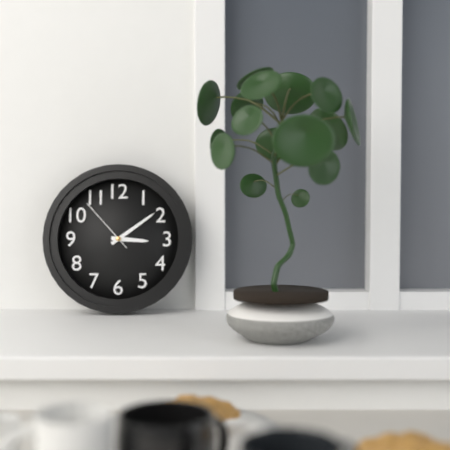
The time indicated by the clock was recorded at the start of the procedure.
3:09:53
